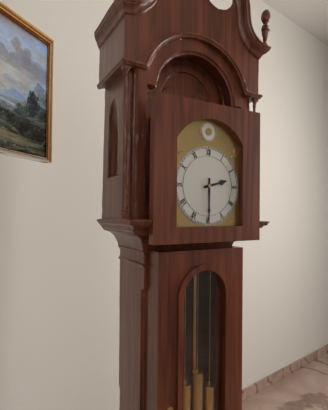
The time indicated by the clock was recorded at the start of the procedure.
2:30
